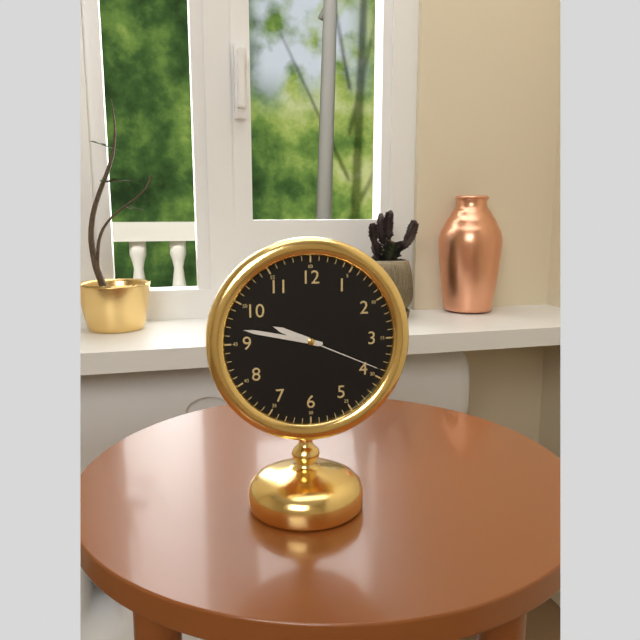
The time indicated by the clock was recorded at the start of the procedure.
9:47:19
